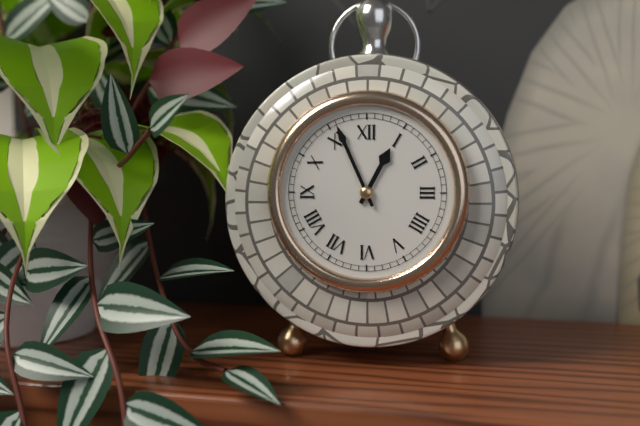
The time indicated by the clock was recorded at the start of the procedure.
12:56
